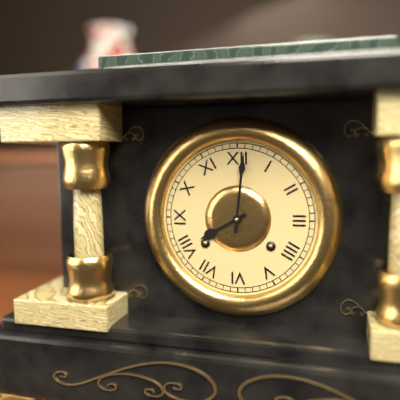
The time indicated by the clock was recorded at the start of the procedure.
8:01
